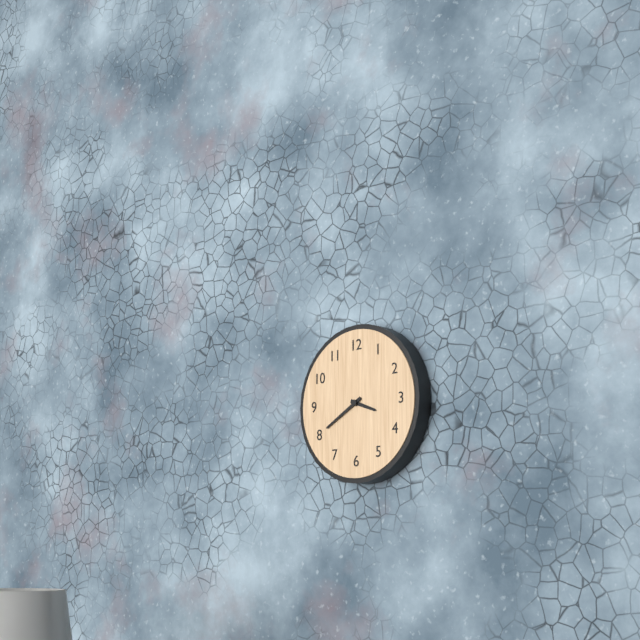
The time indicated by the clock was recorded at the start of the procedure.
3:40
